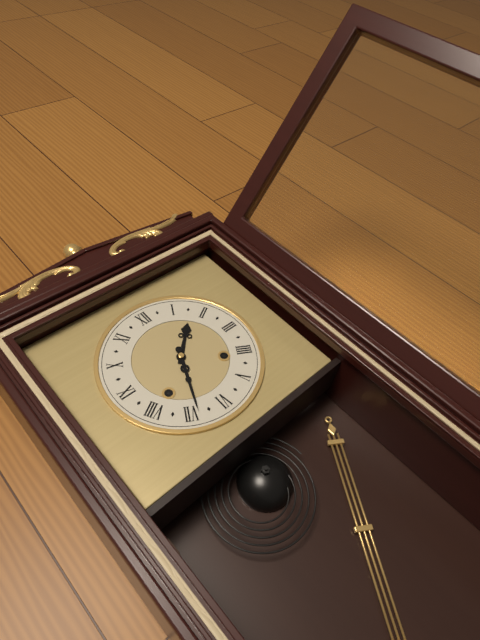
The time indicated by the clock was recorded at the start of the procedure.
1:34
